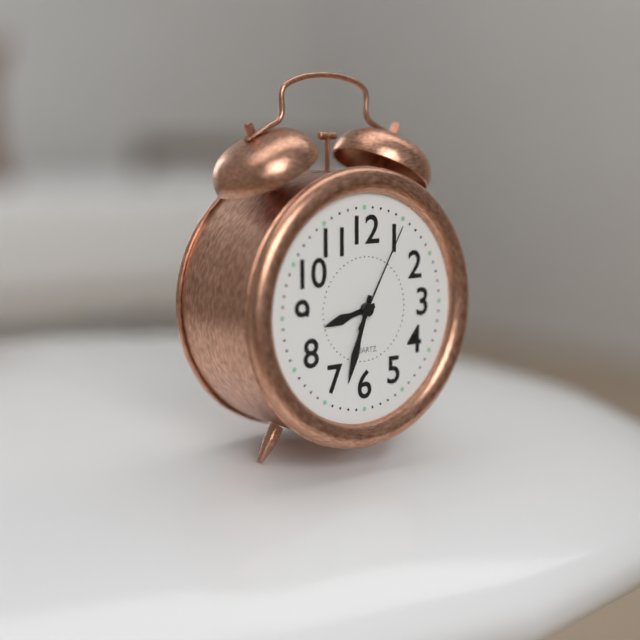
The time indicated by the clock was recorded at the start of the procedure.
8:33:05
